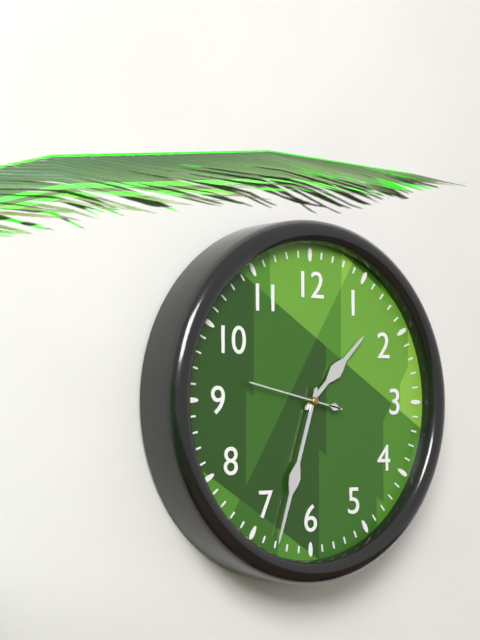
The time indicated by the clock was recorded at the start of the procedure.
1:33:47
